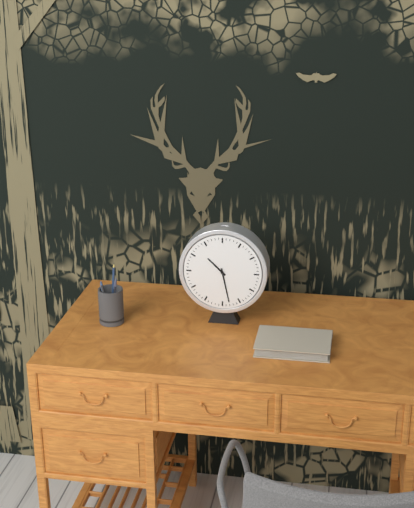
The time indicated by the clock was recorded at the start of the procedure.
10:28
